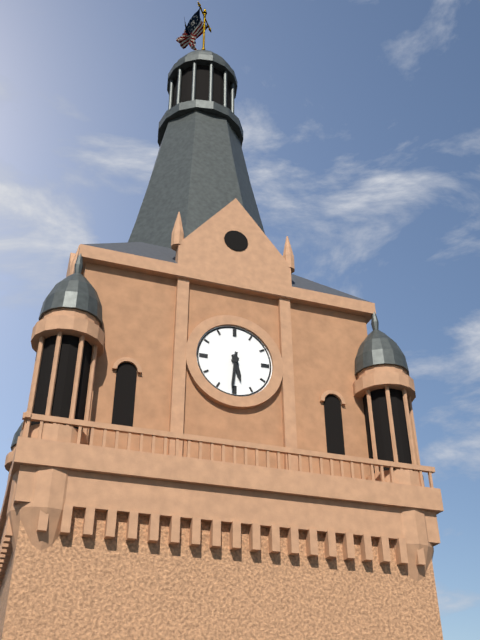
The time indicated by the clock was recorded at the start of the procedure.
5:31
